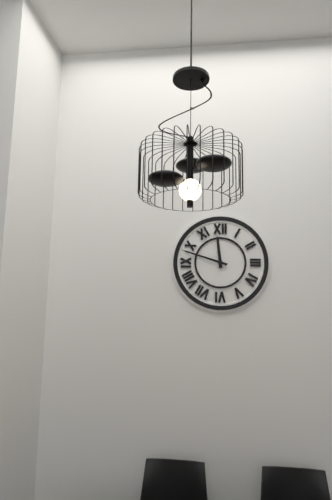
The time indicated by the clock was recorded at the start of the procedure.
11:48
